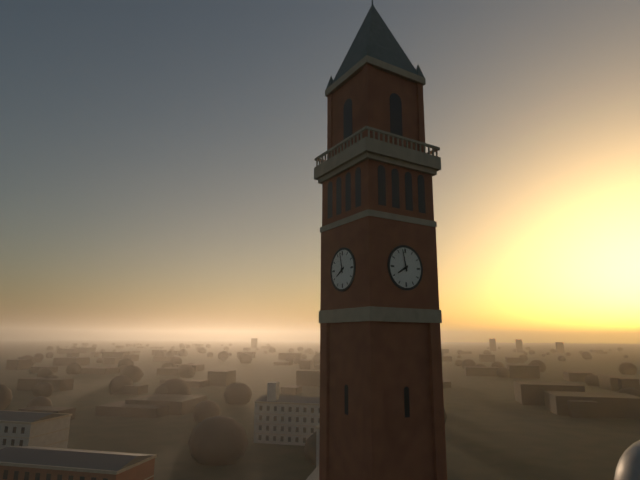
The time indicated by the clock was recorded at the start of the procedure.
7:58
